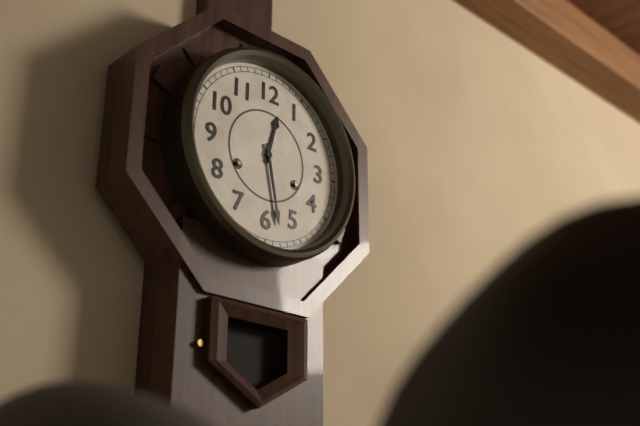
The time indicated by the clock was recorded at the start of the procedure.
12:28
